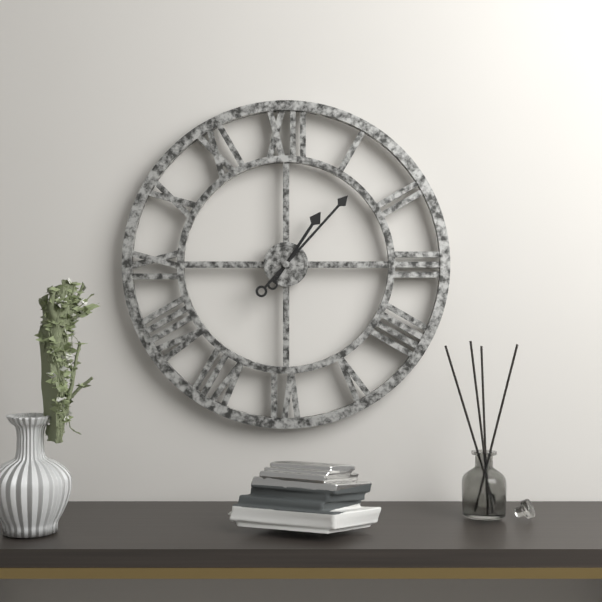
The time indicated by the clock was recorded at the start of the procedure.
1:07
